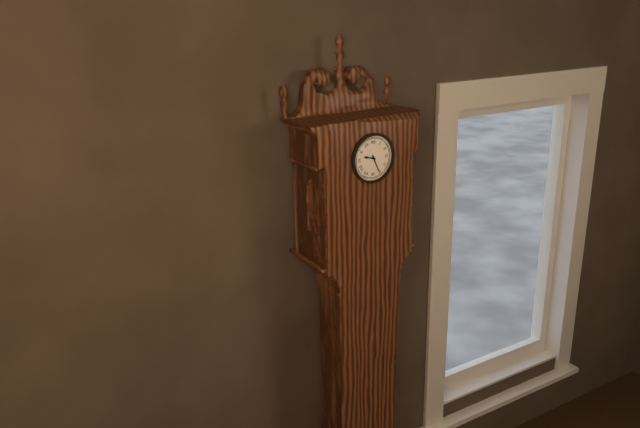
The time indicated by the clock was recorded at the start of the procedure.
9:26
